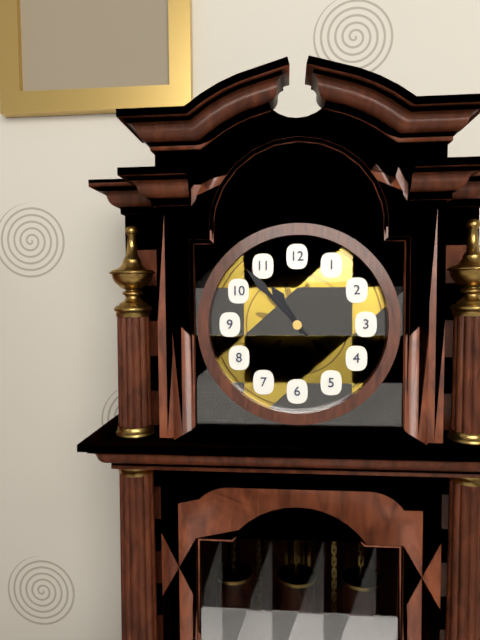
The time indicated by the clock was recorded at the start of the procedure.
10:53
